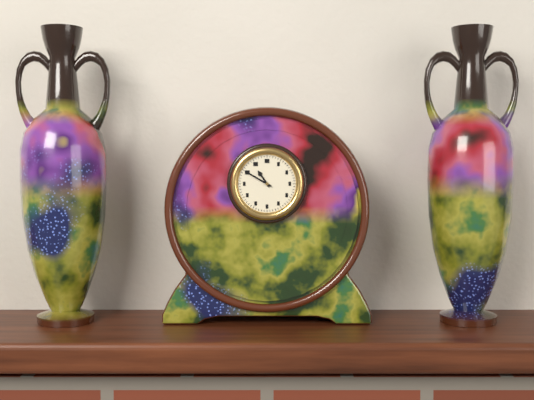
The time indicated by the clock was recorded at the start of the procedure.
10:50
